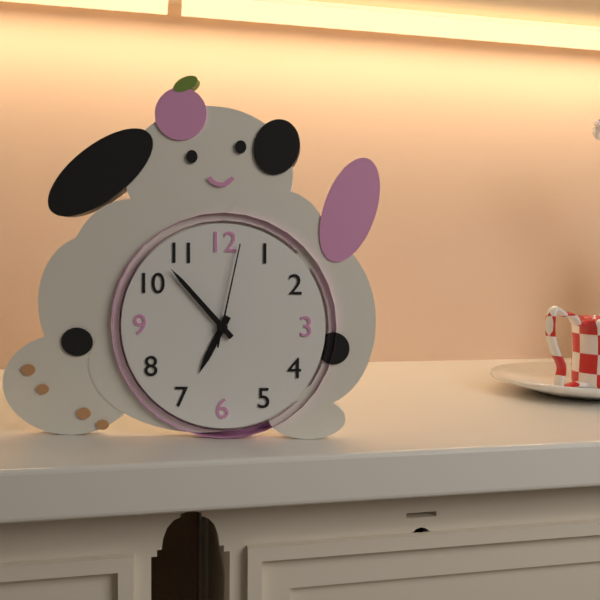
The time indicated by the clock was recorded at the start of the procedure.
6:53:02
